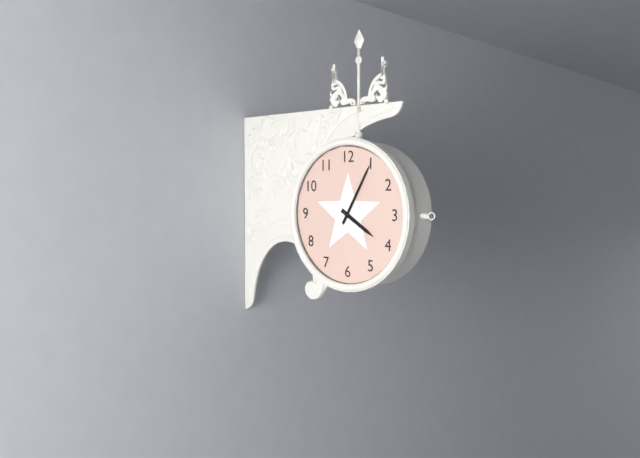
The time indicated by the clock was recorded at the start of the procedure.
4:05
